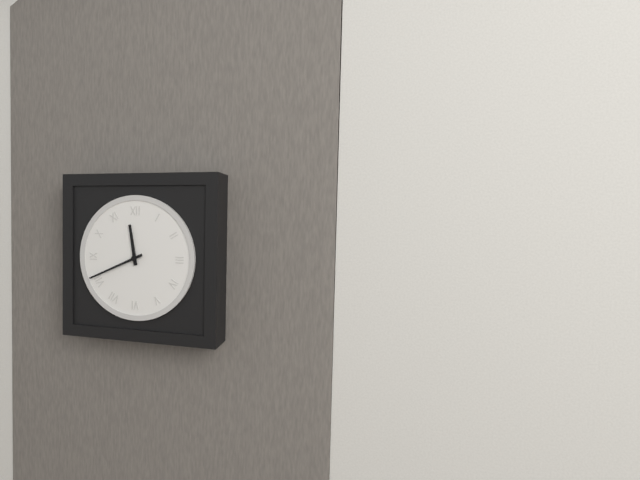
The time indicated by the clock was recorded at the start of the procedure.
11:41
